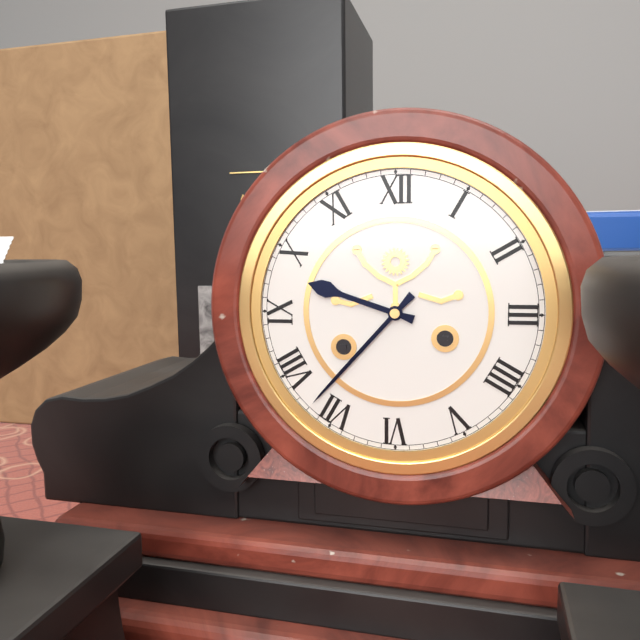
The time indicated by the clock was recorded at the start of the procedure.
9:37
